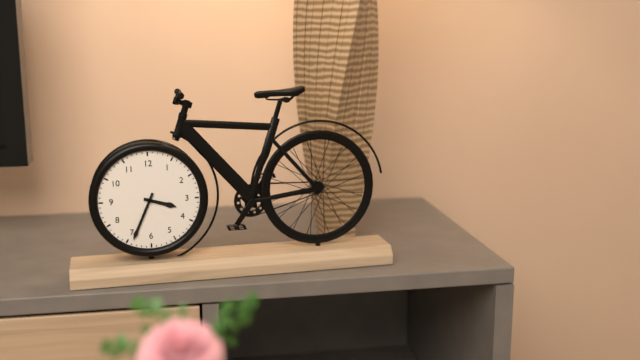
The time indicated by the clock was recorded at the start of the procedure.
3:34
